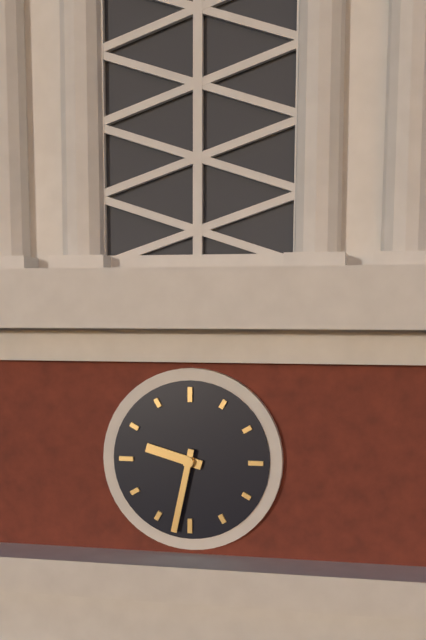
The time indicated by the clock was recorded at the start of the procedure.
9:32
